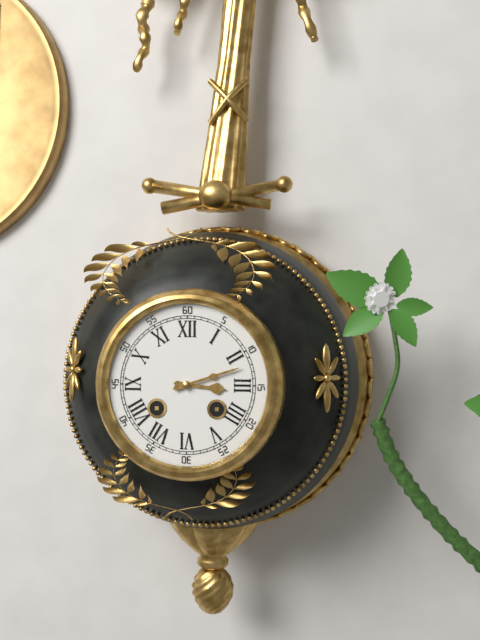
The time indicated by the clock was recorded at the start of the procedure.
3:12
